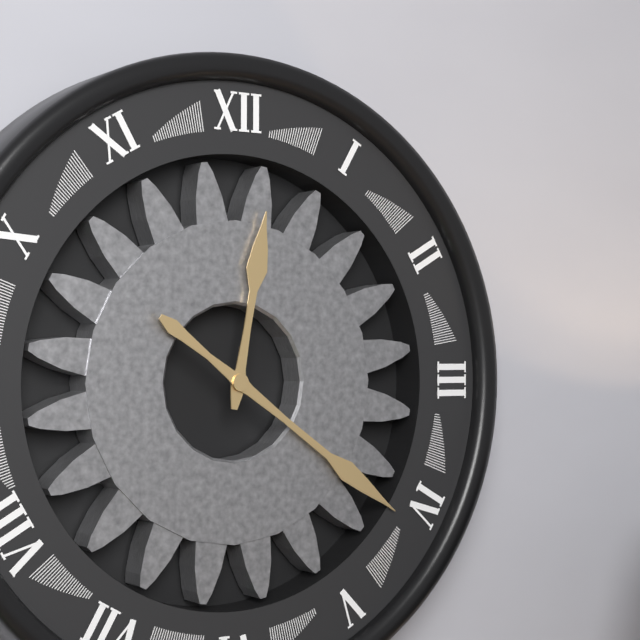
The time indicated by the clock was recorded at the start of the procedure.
12:21
